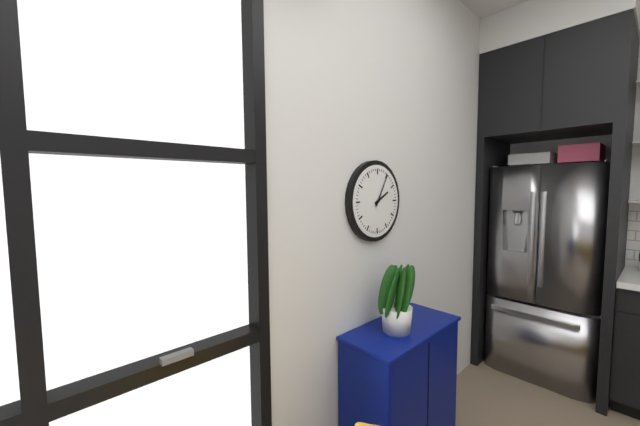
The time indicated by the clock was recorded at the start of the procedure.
2:05
